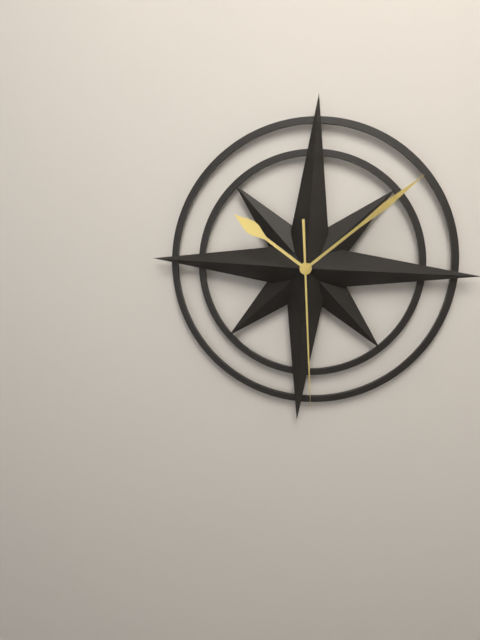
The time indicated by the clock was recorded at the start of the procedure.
10:08:29
